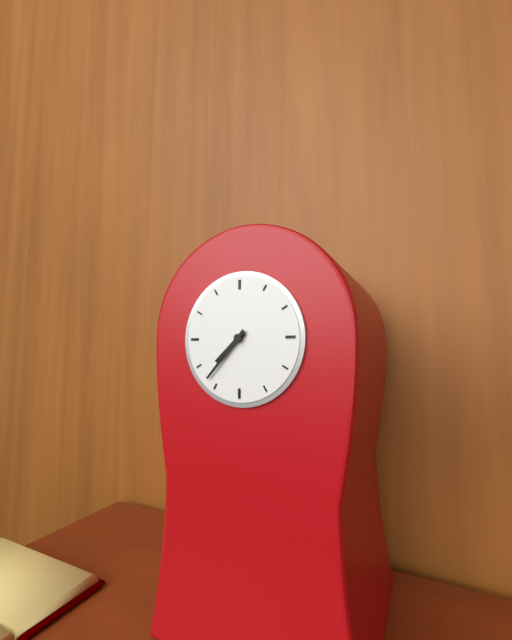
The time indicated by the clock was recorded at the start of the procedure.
7:37
